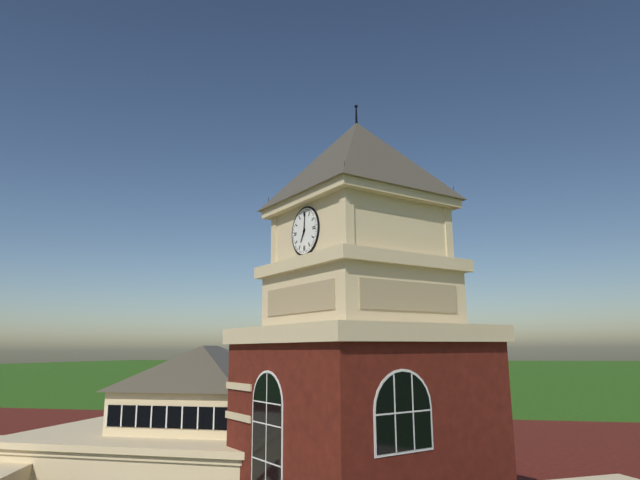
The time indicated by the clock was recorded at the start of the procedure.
7:01
